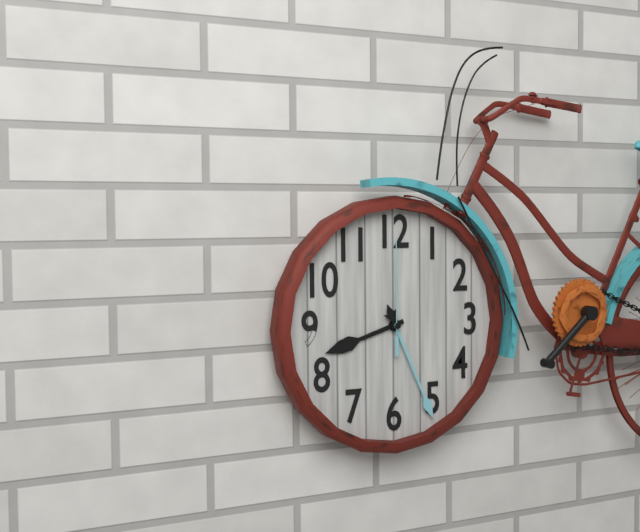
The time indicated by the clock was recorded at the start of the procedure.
8:26:00
